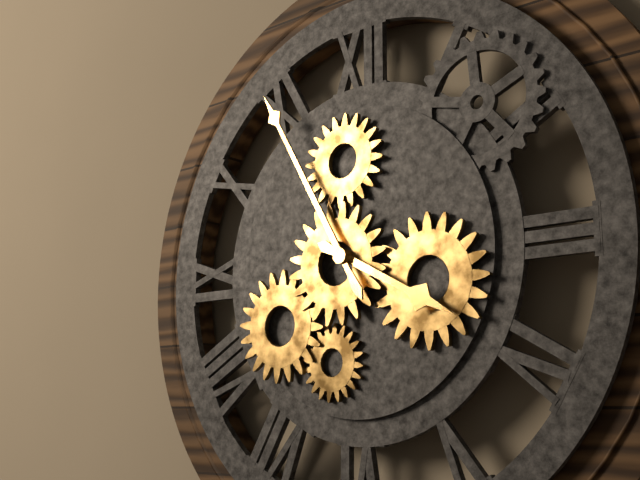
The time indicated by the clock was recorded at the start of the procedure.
3:55
